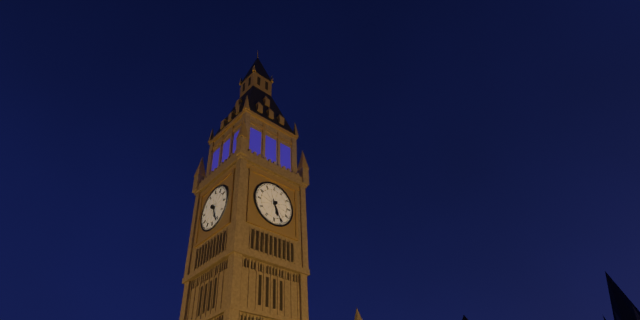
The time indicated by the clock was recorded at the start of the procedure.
5:26
